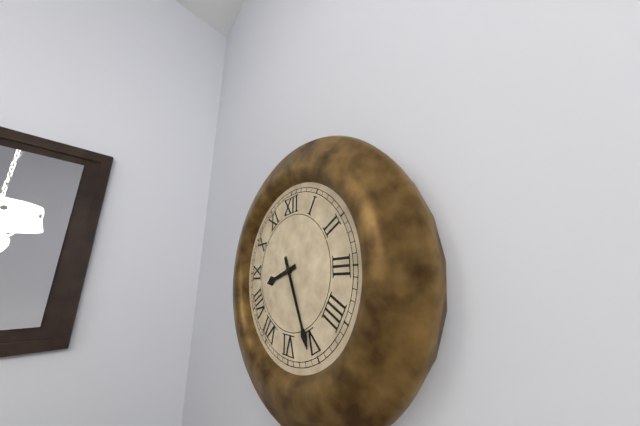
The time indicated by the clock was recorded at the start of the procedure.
8:26
